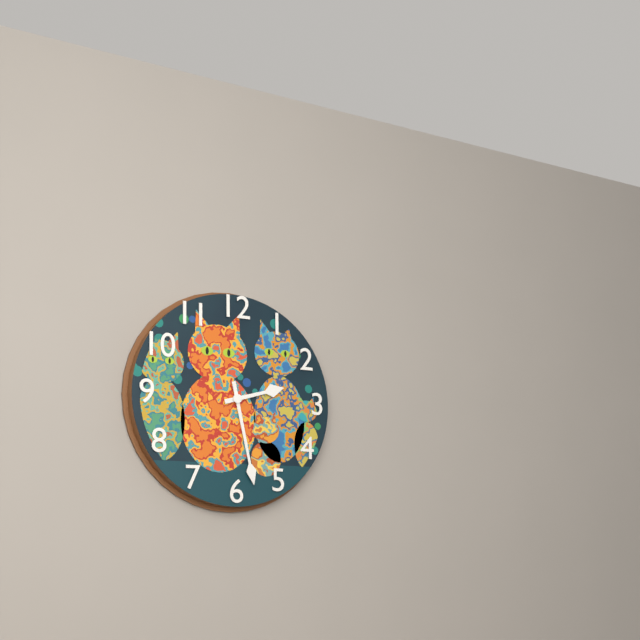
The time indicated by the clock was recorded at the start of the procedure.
2:28
